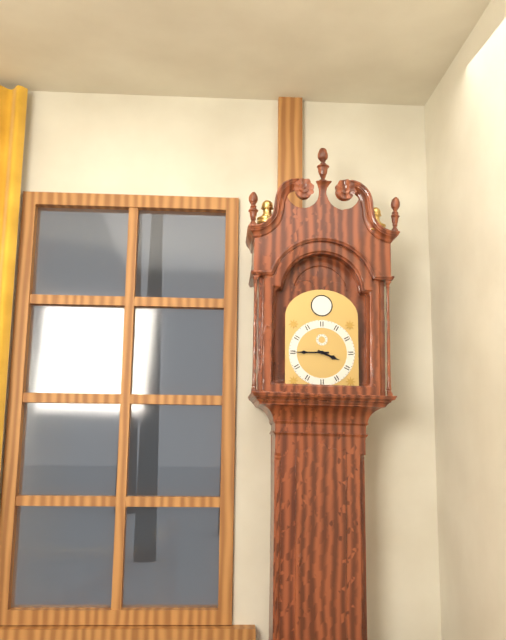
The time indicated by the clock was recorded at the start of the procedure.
3:45
